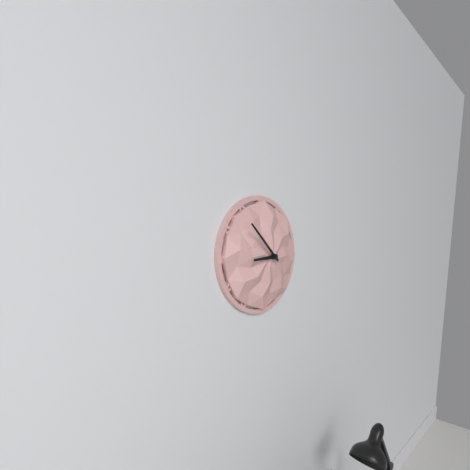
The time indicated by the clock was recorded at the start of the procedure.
8:52
